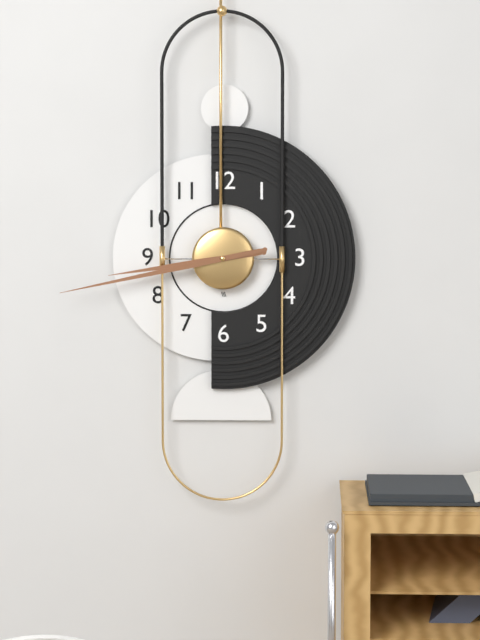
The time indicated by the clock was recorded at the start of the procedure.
8:43
